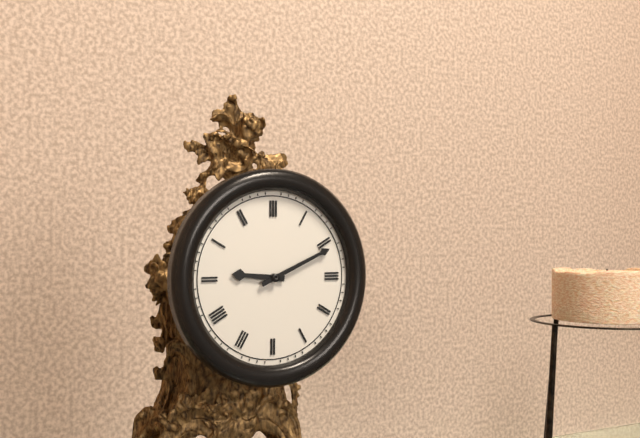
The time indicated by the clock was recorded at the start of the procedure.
9:11
